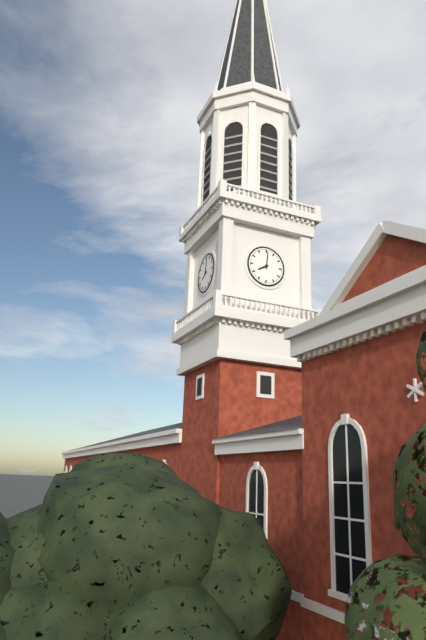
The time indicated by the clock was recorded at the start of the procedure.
8:01
